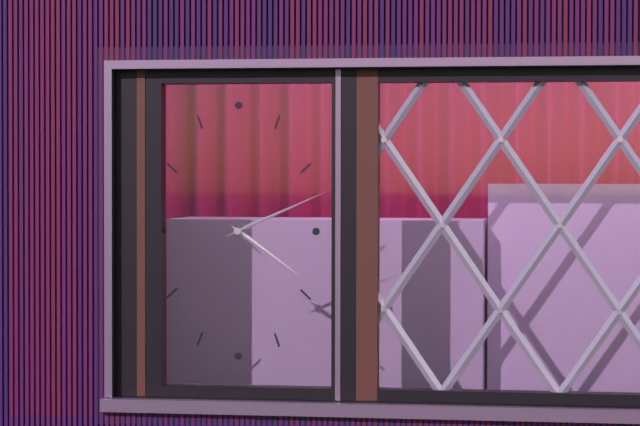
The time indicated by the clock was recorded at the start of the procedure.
4:11
